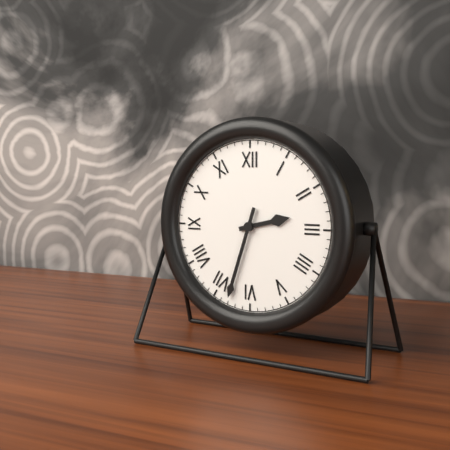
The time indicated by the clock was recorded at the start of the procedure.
2:33
